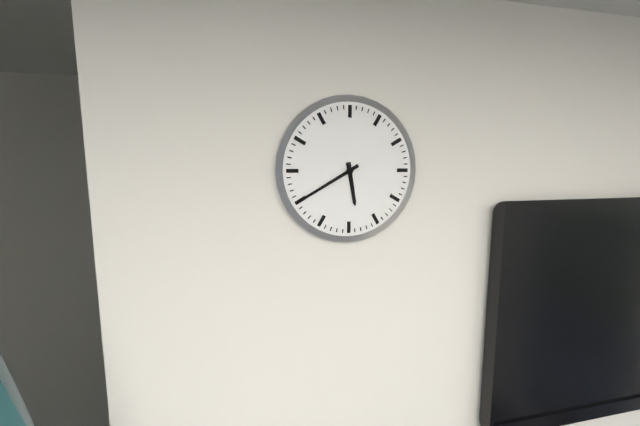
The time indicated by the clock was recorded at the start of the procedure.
5:40
